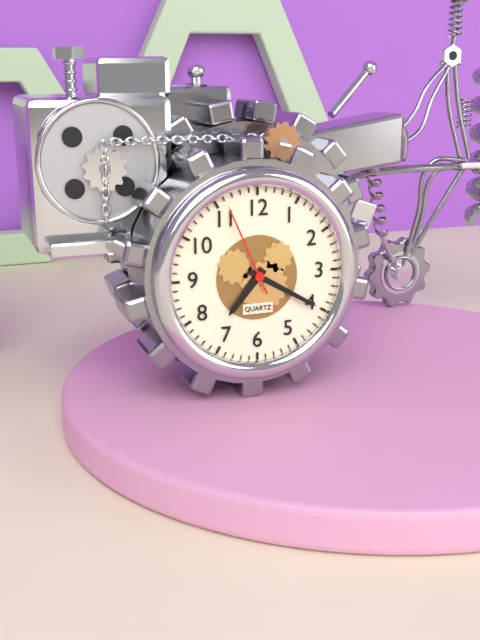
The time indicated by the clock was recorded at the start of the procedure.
7:20:56
